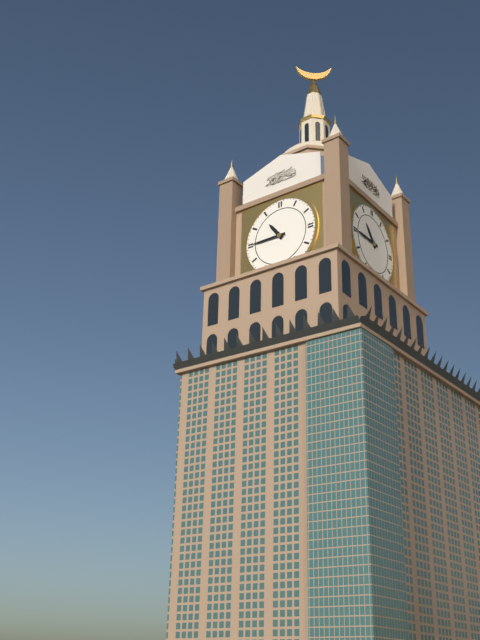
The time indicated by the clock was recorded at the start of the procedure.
10:45
